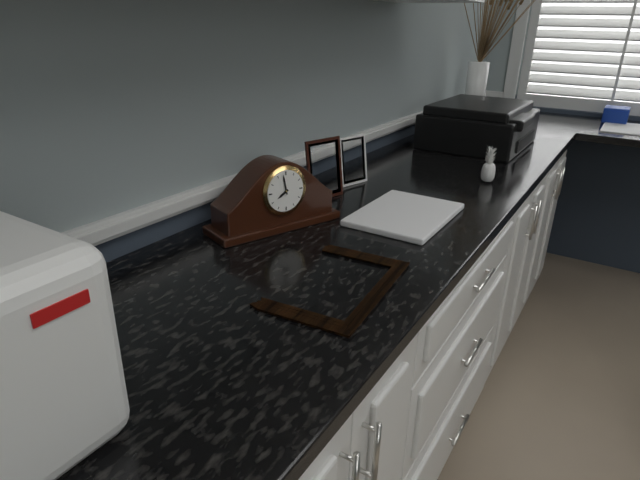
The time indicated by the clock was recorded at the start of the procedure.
7:58
